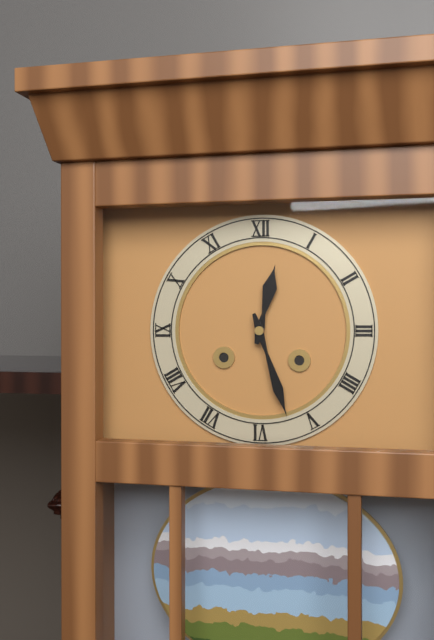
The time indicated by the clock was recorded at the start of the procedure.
12:27
